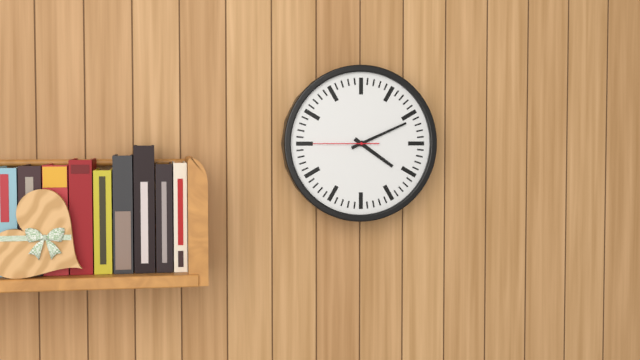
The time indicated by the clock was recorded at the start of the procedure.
4:11:45
